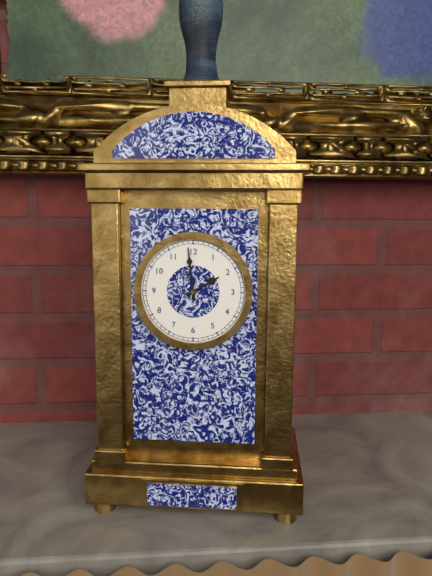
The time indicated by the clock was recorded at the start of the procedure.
1:59
